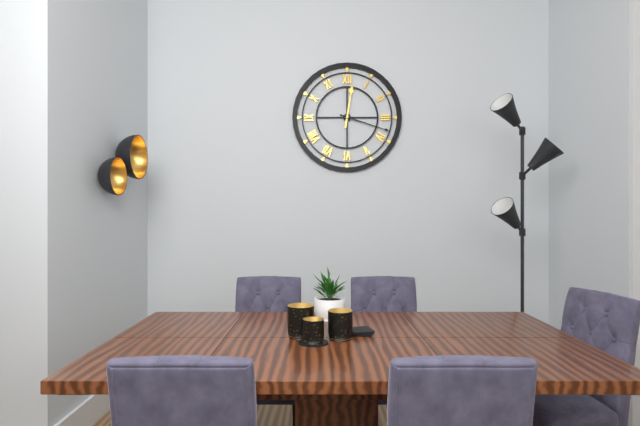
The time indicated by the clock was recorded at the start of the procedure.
12:18
